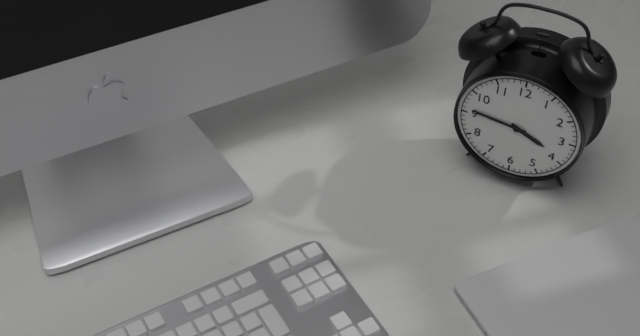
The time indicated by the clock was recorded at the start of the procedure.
3:46
